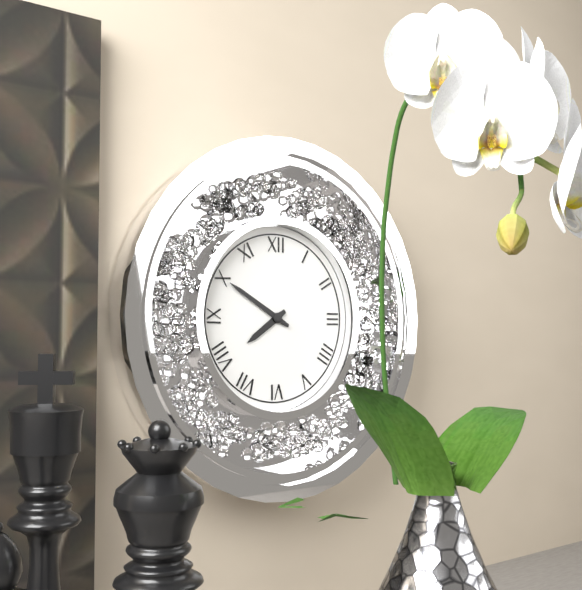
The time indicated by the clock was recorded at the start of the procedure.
7:50
